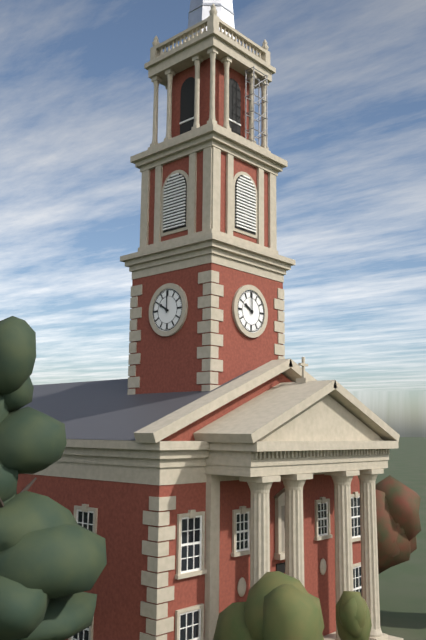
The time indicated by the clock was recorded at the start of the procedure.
10:00
